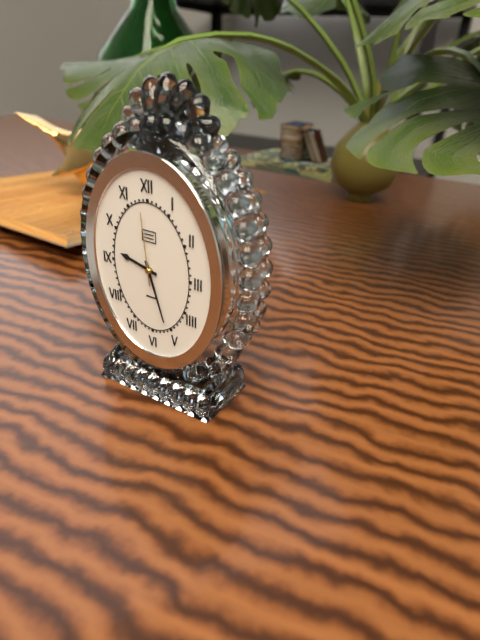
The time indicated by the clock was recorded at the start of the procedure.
9:27:59
